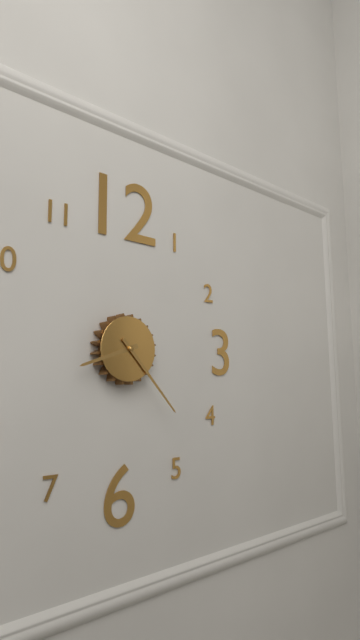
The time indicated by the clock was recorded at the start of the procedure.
8:23
